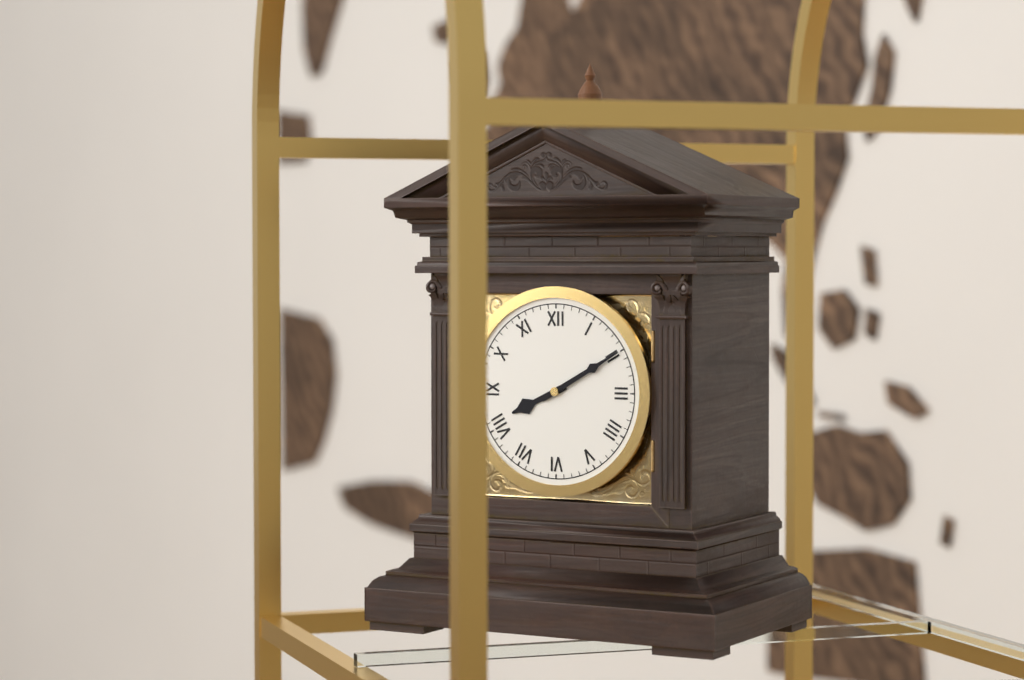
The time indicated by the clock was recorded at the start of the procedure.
8:10
